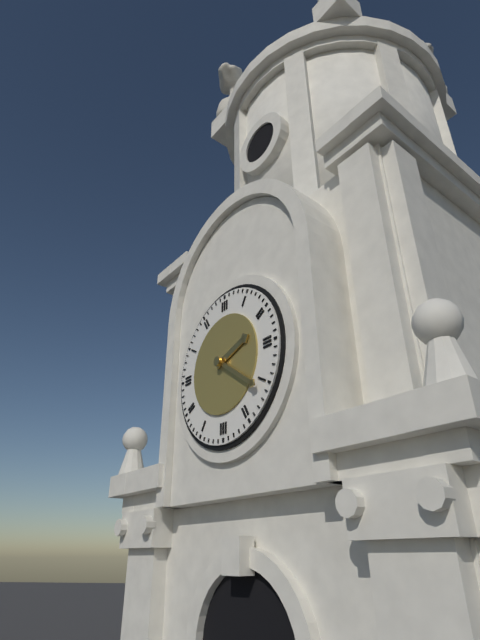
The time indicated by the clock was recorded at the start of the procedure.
2:21
